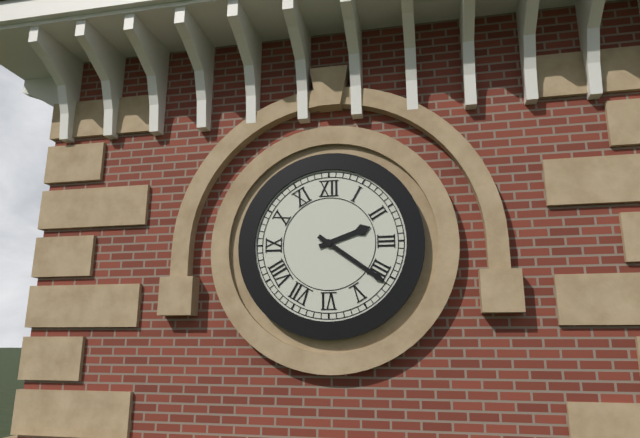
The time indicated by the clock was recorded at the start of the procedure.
2:21
